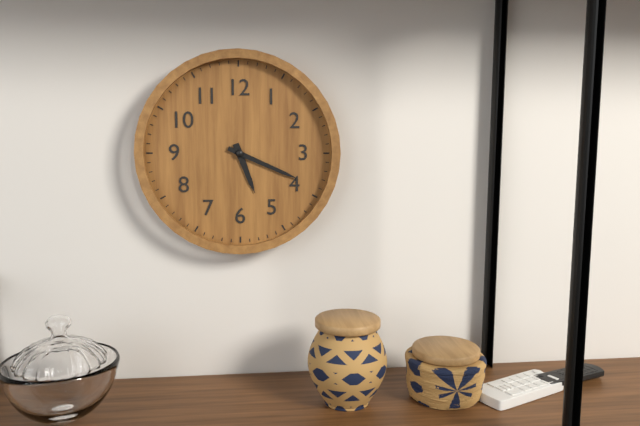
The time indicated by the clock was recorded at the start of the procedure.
5:19
